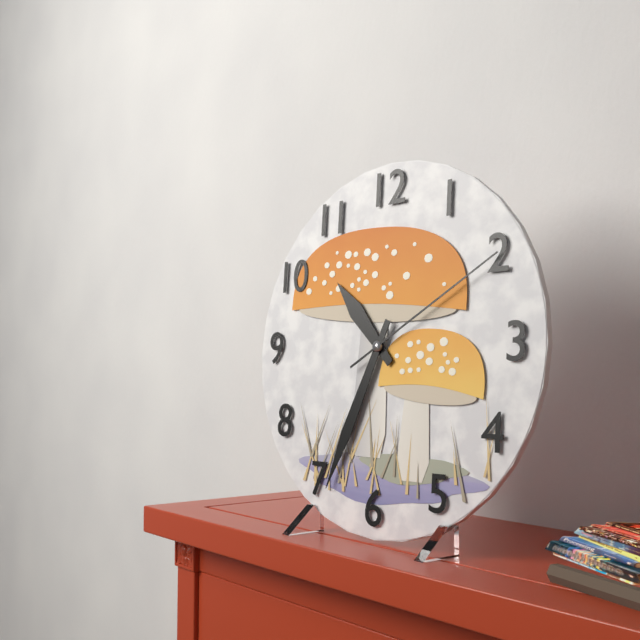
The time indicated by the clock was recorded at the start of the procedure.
10:34:10
